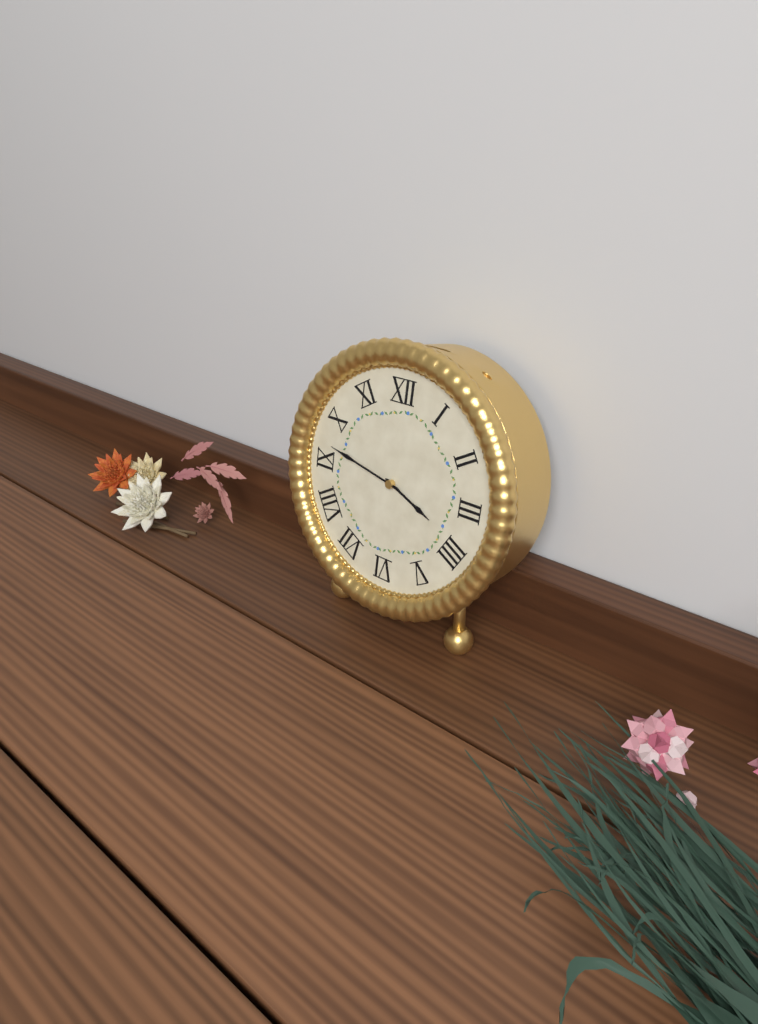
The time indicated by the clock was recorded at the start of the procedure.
3:47
